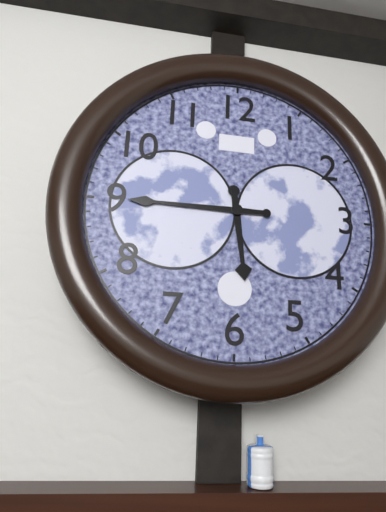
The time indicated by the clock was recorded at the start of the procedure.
5:45
